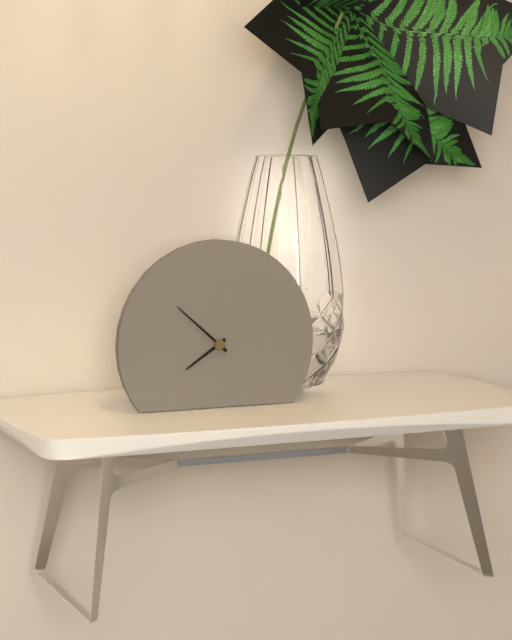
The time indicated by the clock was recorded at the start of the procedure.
7:52
